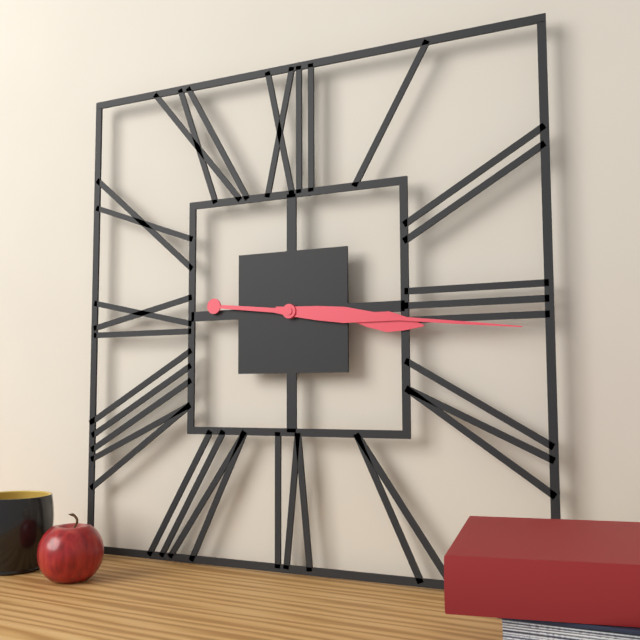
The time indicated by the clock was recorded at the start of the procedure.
3:16
